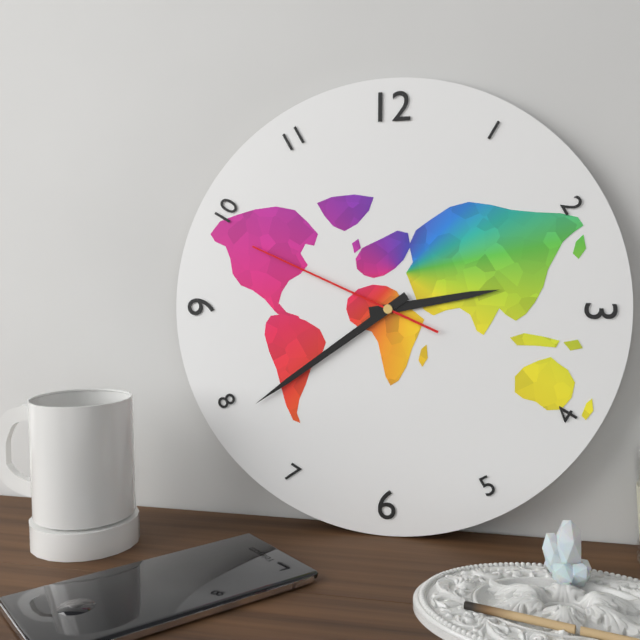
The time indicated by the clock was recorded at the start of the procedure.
2:39:49
